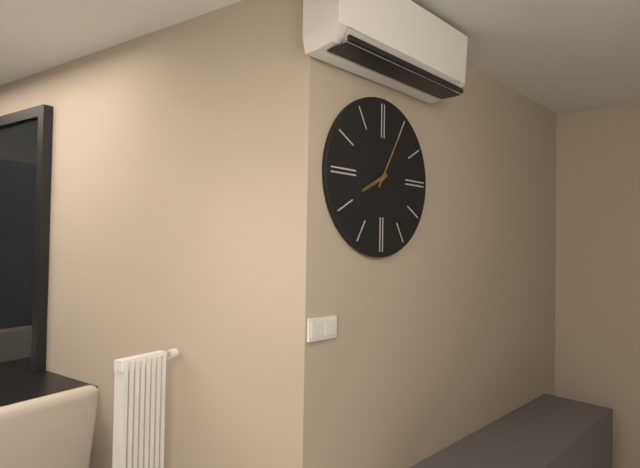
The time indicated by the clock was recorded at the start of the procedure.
8:05
